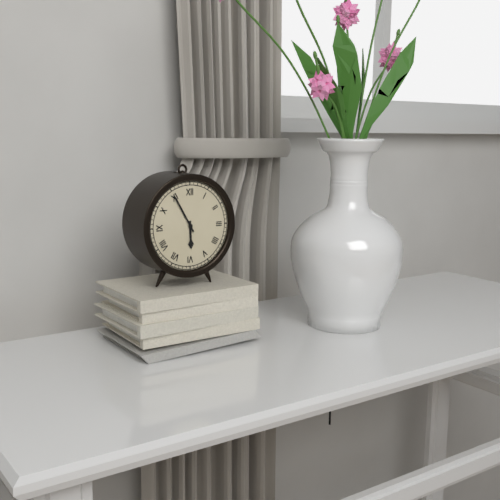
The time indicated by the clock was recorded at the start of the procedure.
5:55
